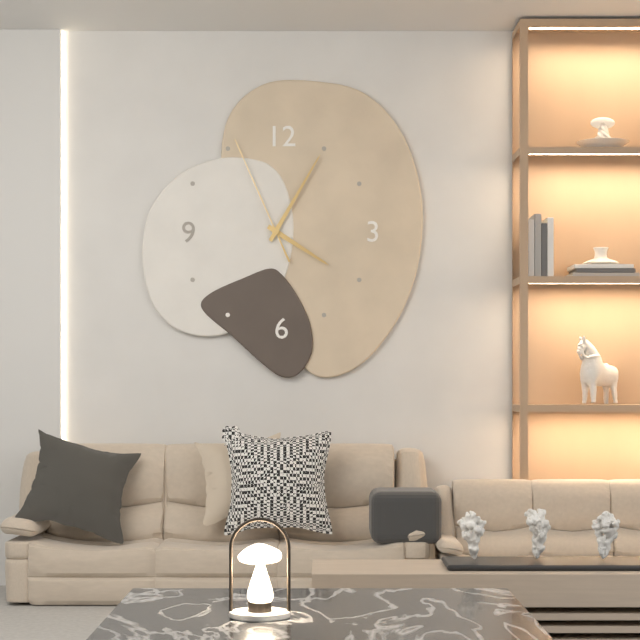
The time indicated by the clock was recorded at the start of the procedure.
4:05:56
